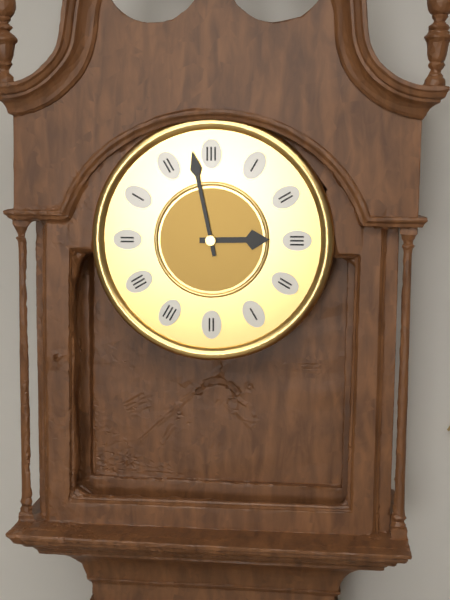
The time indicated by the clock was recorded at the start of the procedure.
2:58
